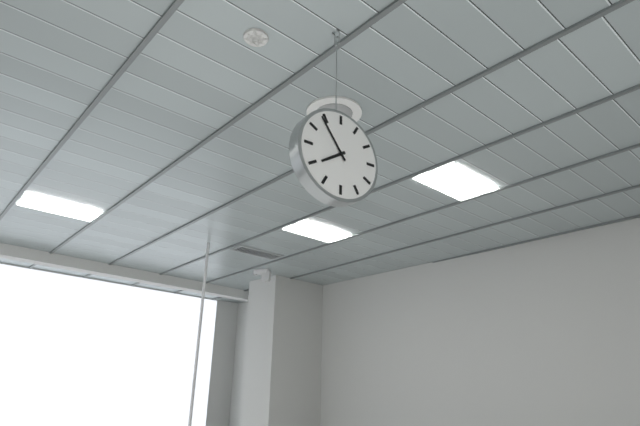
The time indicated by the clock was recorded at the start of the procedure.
7:54
